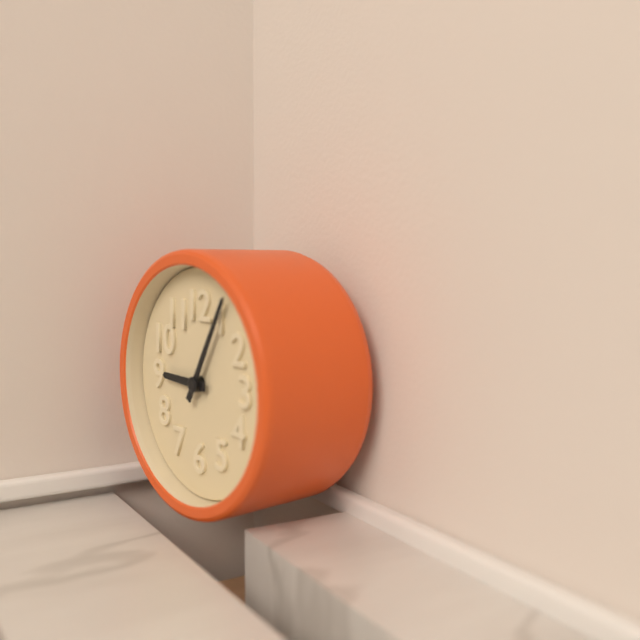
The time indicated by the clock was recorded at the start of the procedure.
9:05
